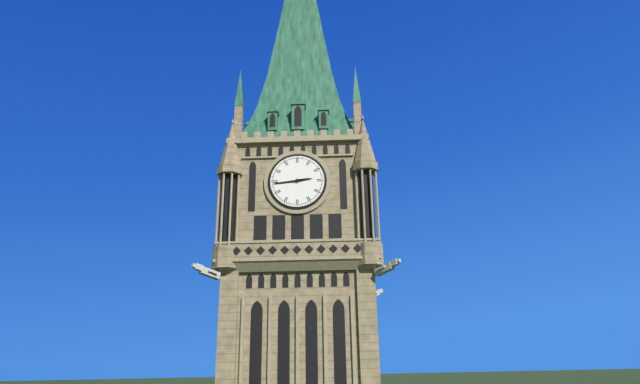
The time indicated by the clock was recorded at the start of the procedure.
2:44
